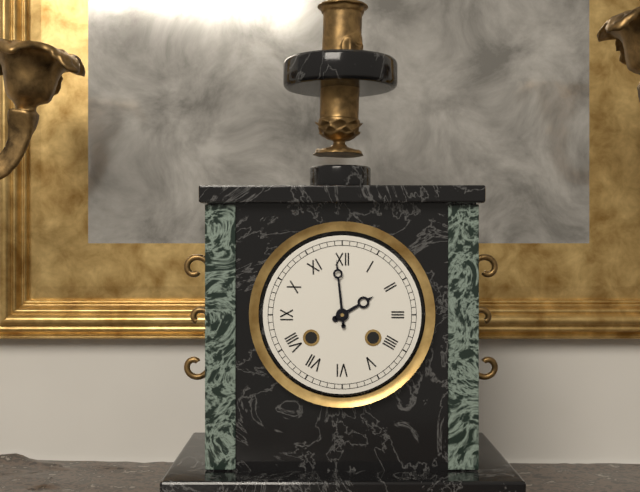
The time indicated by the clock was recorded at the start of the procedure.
1:59
